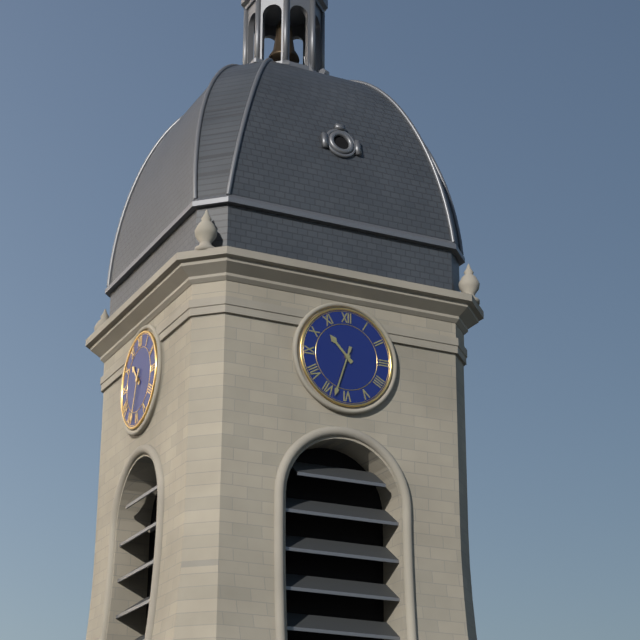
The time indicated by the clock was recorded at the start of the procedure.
10:33
